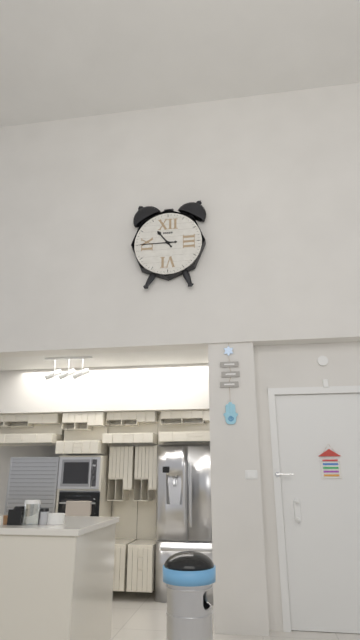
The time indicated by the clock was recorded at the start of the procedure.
10:45
